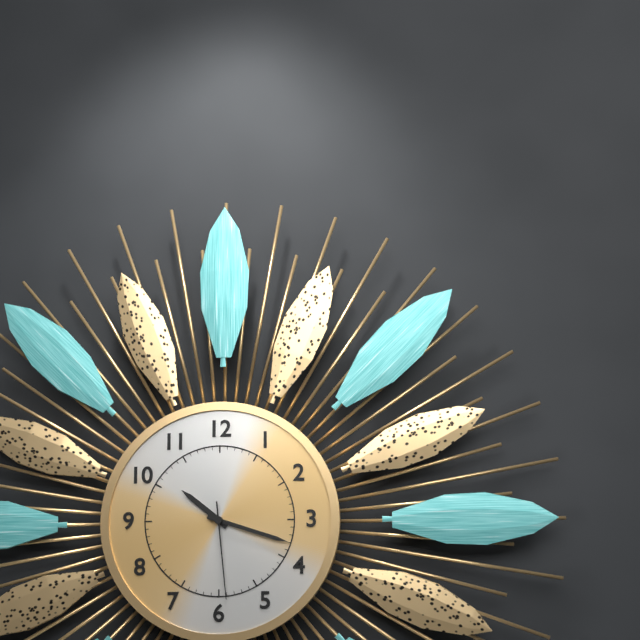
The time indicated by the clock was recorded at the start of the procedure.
10:18:29
